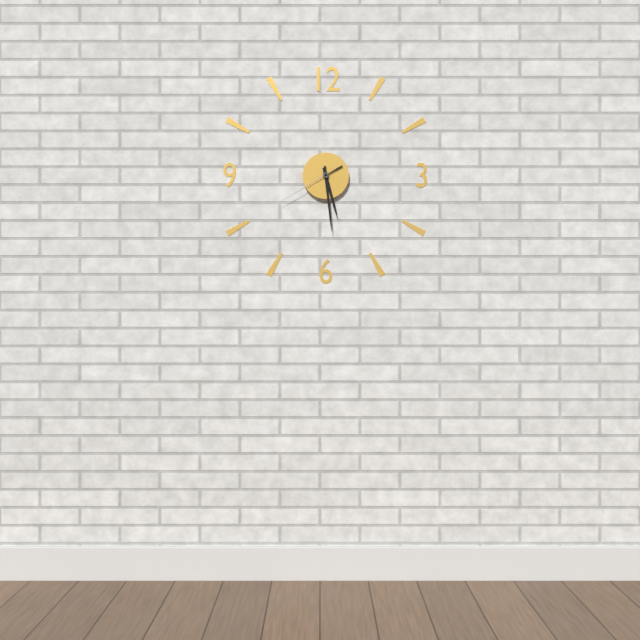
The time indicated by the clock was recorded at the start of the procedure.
5:29:40
